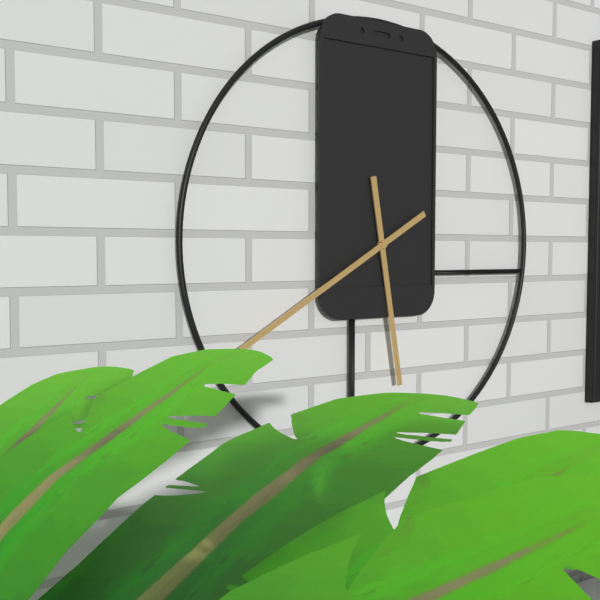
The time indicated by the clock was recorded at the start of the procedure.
5:40
